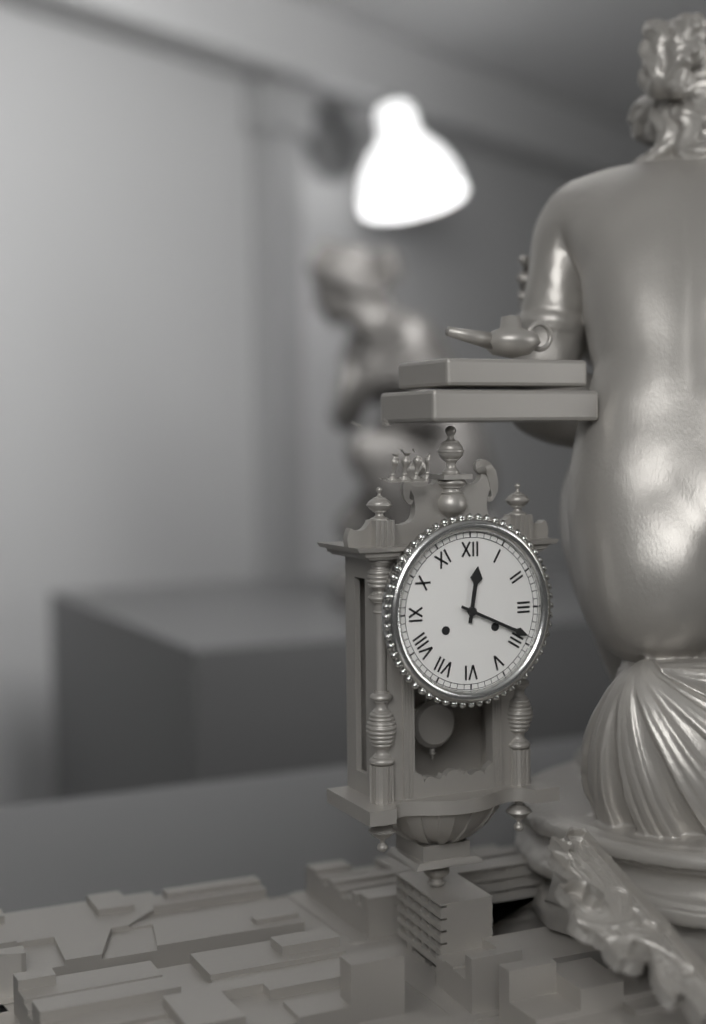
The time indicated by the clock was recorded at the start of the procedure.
12:19
